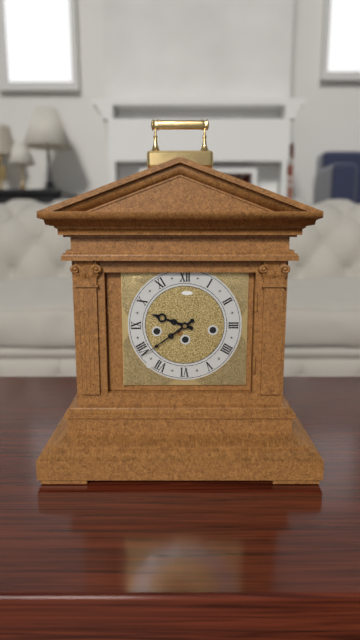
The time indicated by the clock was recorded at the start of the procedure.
9:39
